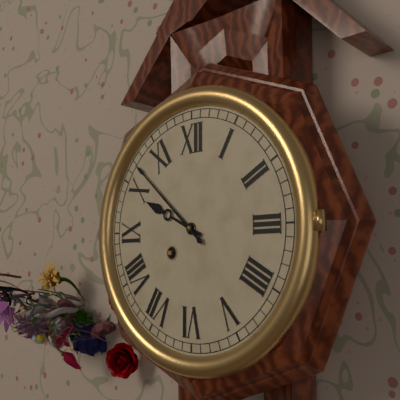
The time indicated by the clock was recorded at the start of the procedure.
9:52
